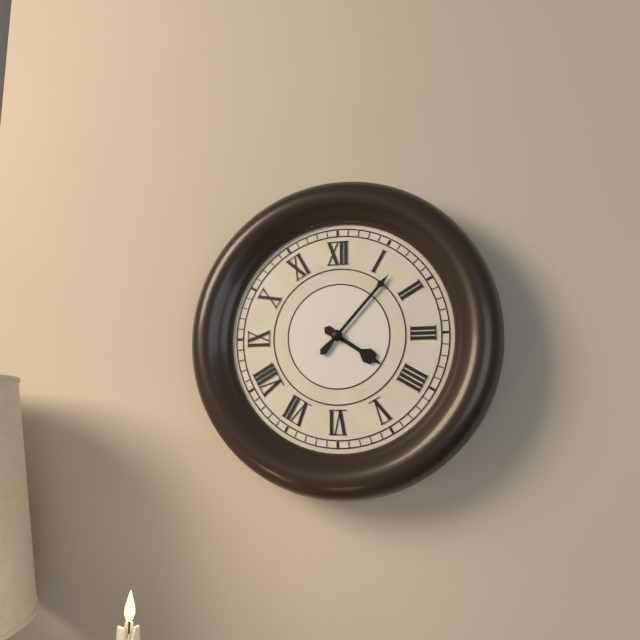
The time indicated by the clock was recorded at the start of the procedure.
4:07
